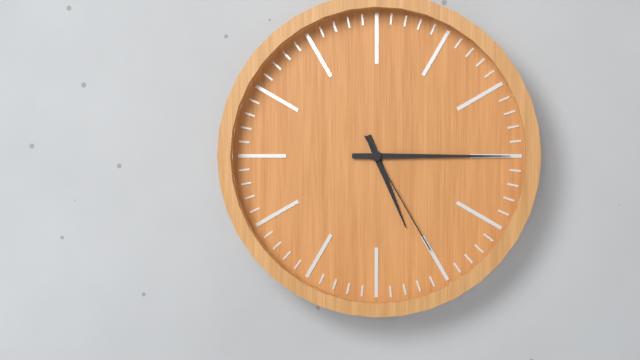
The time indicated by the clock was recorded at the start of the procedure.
5:15:25
